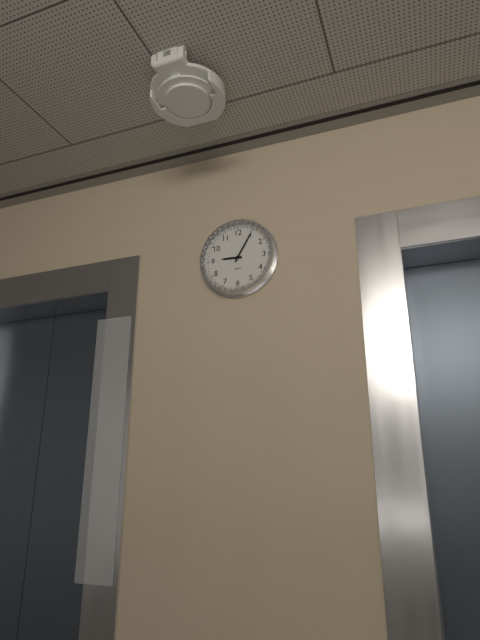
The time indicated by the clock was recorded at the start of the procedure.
9:05
